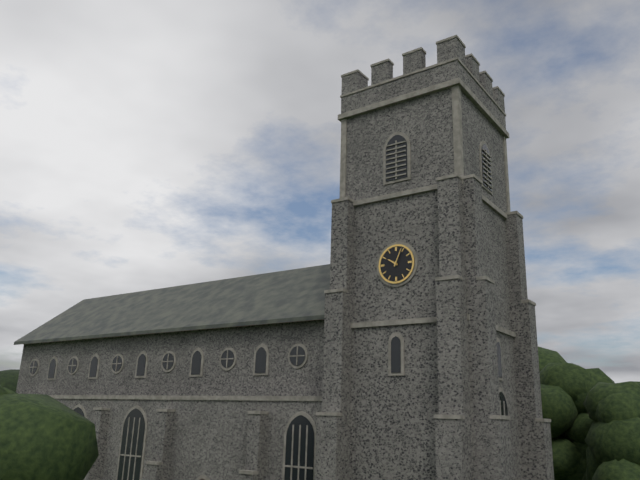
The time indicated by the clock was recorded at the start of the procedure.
10:04
